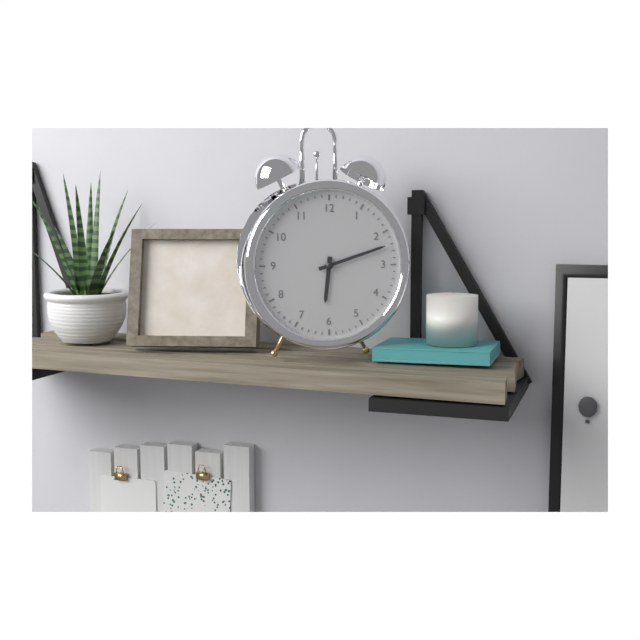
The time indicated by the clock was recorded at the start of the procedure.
6:12
